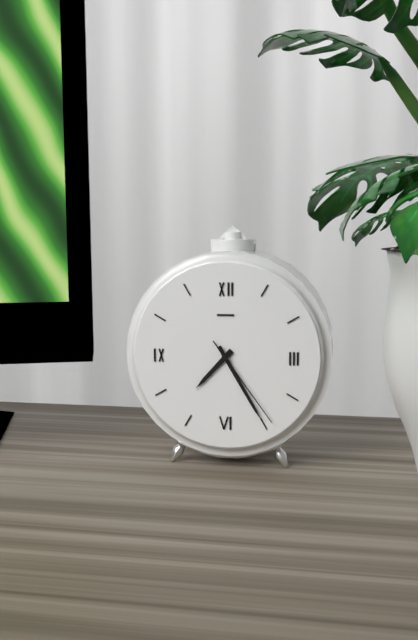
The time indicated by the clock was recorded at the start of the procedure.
7:25:24
